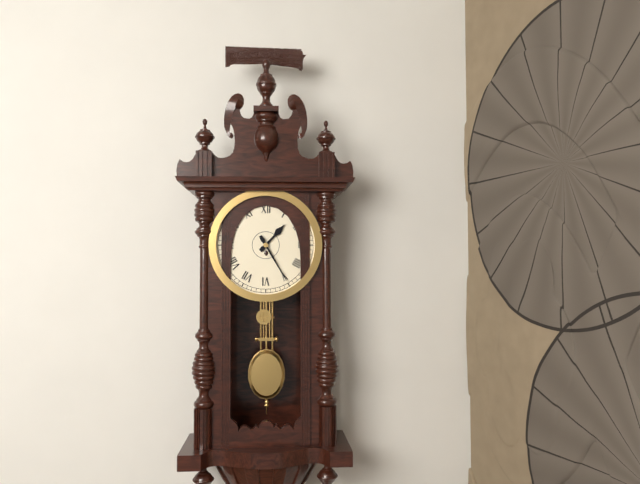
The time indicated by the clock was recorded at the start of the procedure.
1:25
